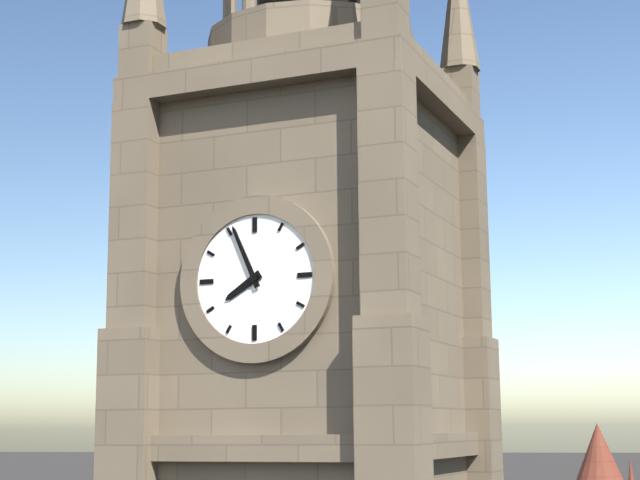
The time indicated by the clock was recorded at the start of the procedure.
7:56
